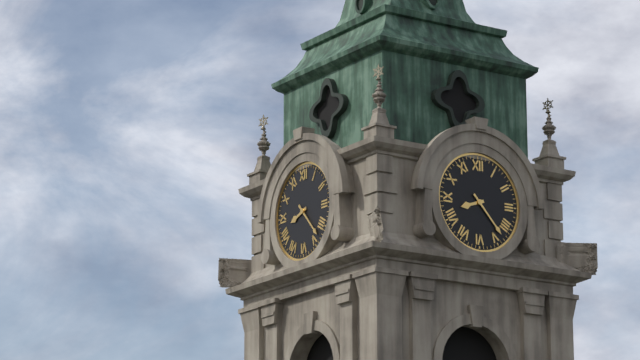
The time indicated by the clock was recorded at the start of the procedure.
8:23
